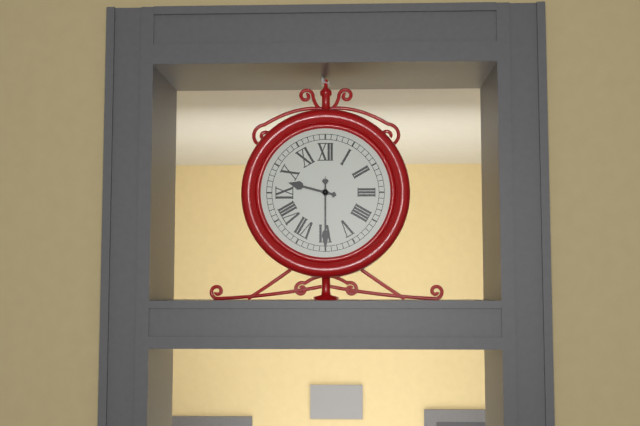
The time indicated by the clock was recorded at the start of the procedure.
9:30
